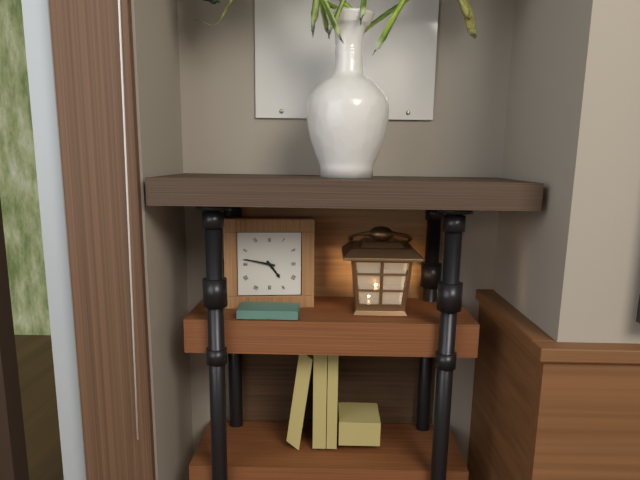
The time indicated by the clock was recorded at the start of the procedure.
4:47
